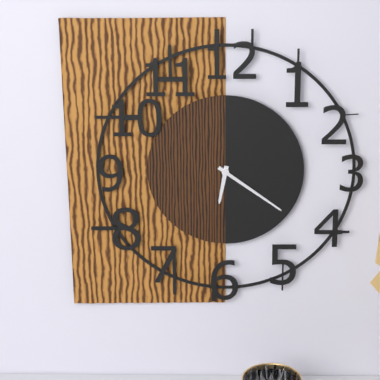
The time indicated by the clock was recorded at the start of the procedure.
6:21
